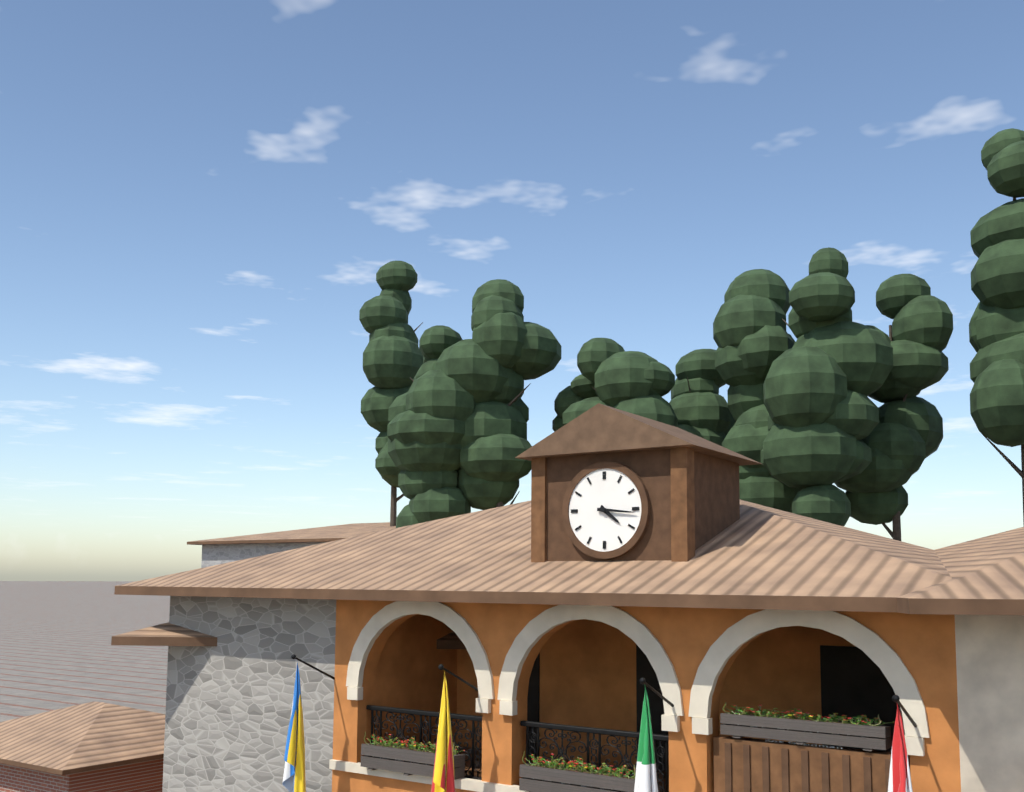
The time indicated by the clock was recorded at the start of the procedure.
4:16
